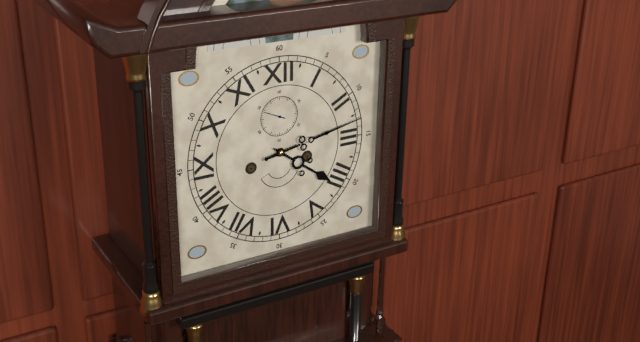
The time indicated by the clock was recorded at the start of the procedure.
4:13
